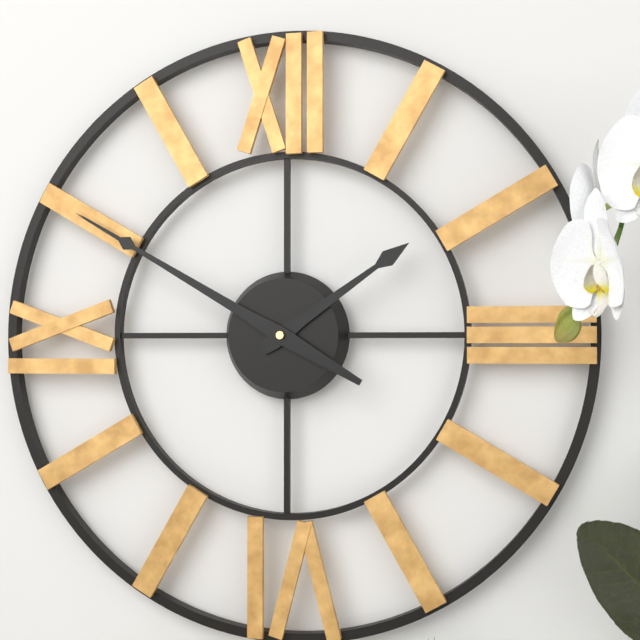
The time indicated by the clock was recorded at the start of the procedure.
1:50
